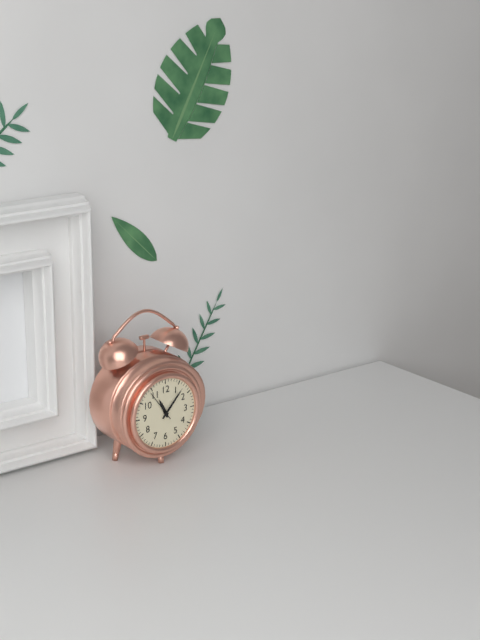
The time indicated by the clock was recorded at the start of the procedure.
11:07
